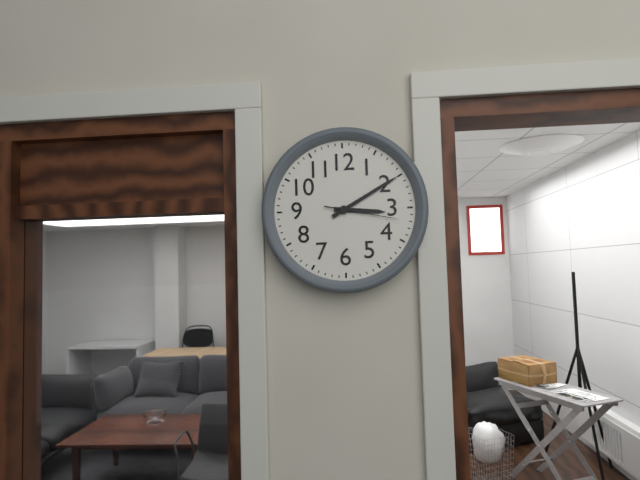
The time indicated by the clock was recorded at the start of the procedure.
3:10:17
